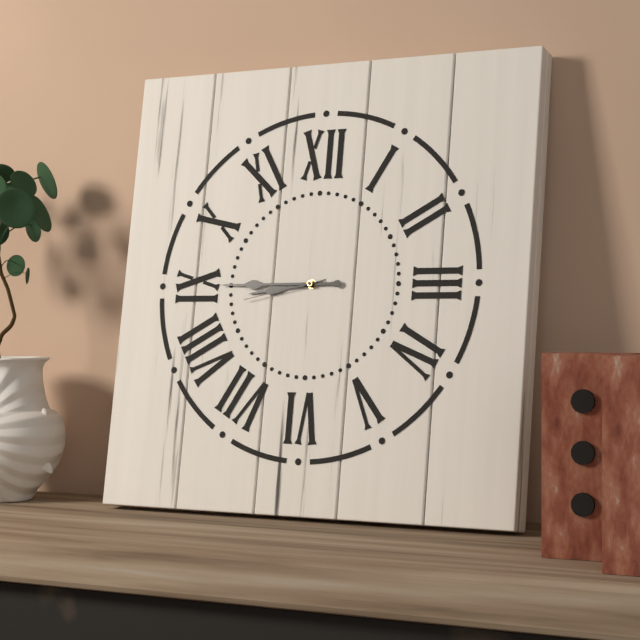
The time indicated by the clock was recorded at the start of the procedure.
8:45:43
